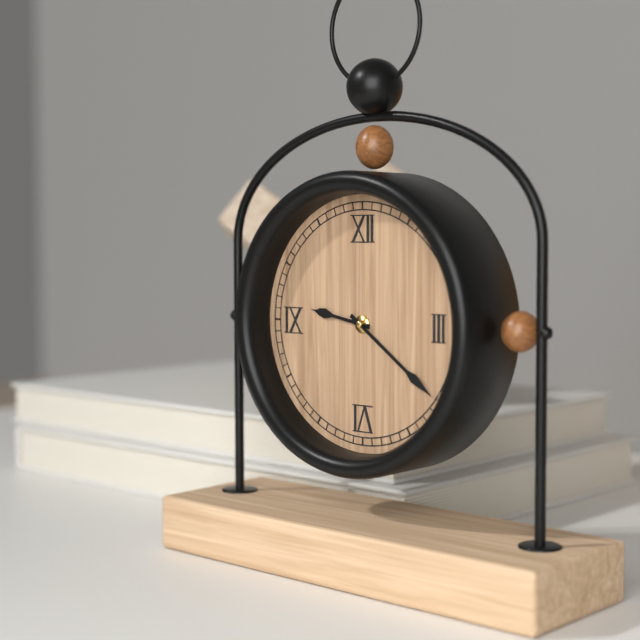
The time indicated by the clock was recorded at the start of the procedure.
9:21
